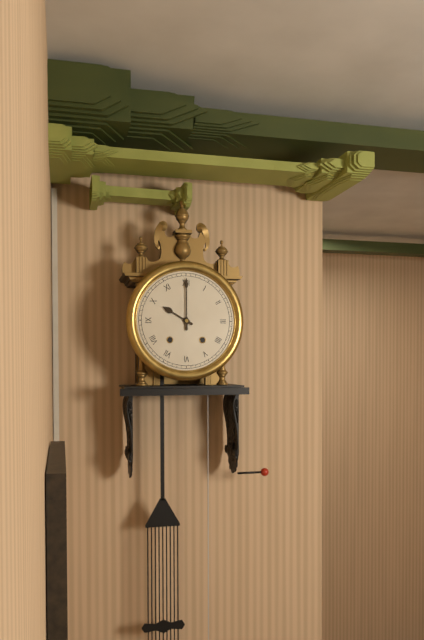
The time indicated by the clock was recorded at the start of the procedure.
10:00
